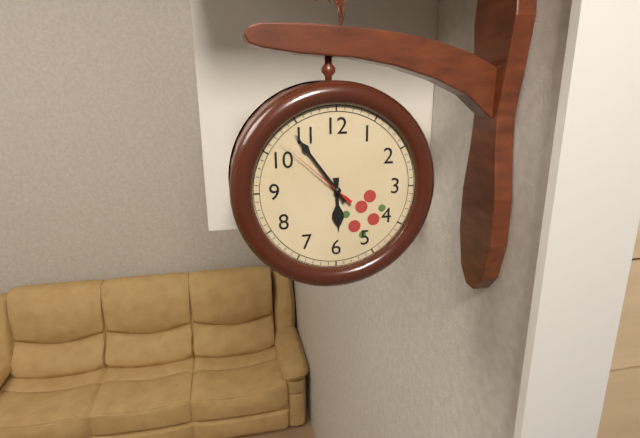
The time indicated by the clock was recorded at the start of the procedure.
5:54:52
